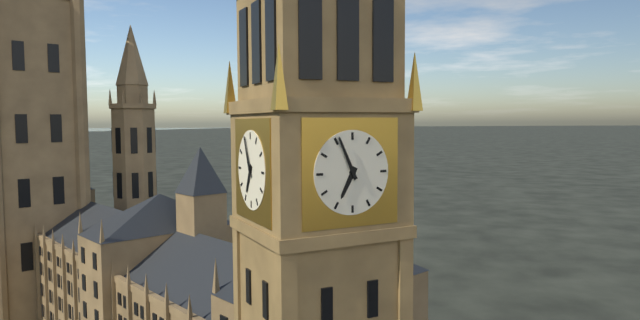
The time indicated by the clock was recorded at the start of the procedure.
6:56
